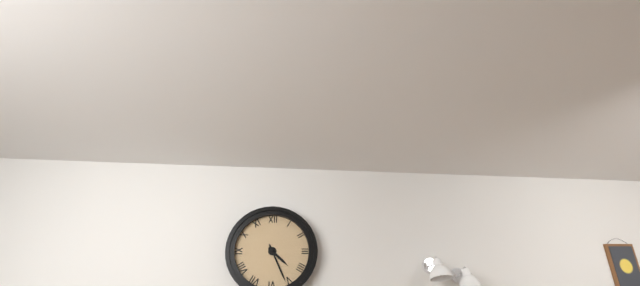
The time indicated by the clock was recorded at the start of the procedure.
4:26
